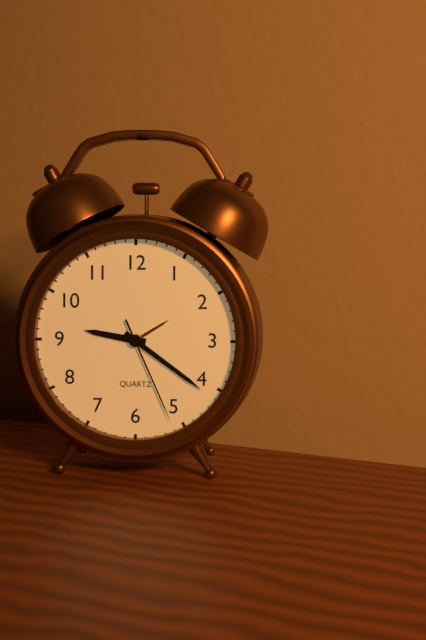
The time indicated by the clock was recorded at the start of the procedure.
9:21:26
